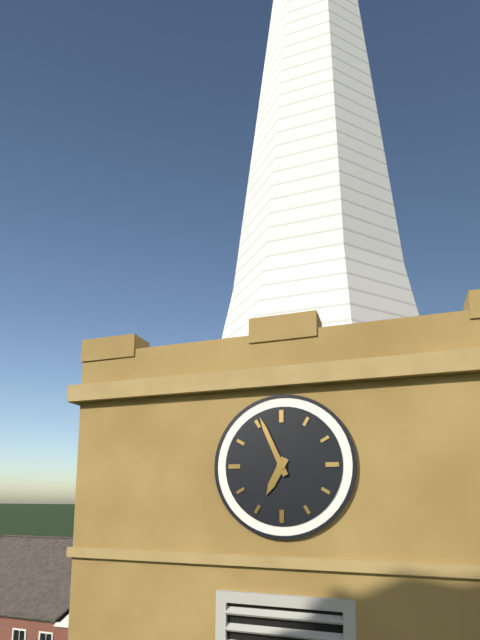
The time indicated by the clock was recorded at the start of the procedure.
6:56
